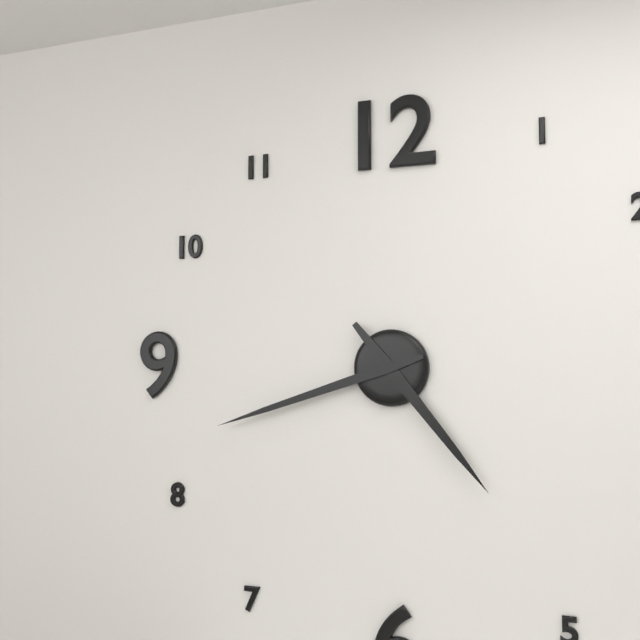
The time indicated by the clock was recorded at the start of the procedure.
4:42
